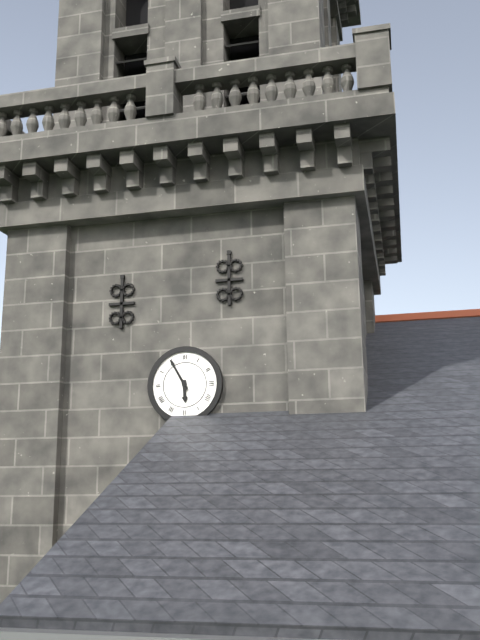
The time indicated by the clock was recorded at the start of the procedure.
5:55
